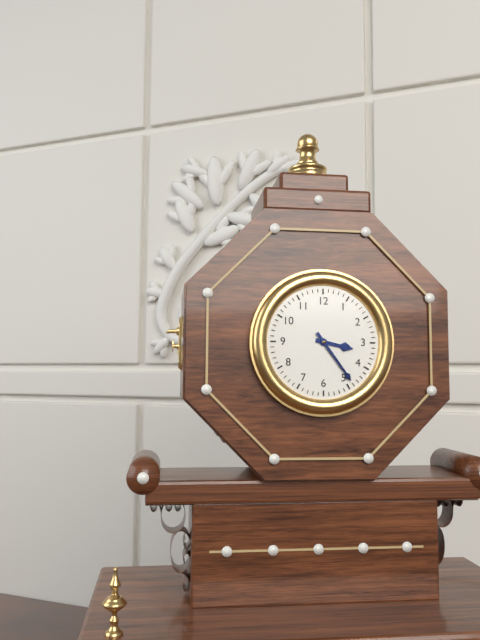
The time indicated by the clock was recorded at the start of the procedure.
3:24
